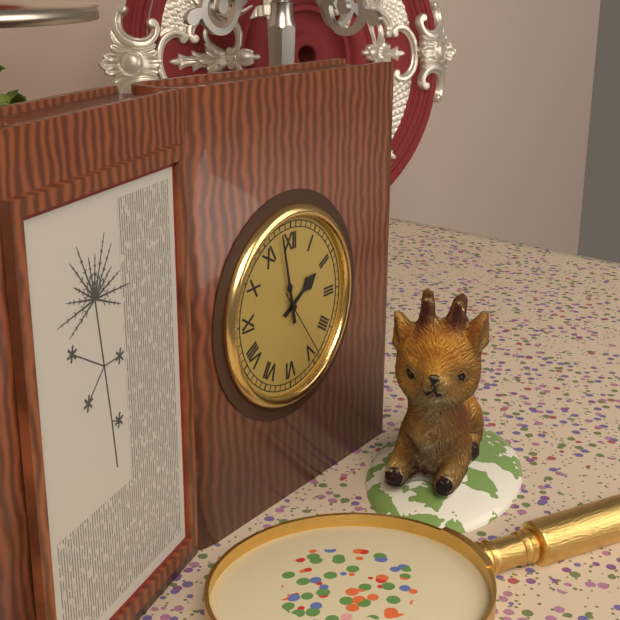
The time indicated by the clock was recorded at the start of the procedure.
1:58:24
